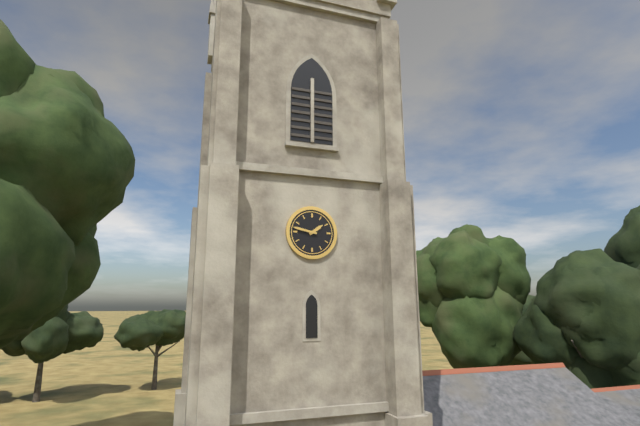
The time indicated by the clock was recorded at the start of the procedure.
1:47
